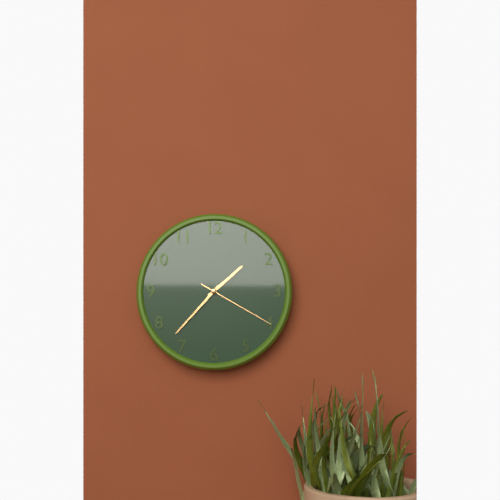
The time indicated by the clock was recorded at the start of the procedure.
1:37:20
